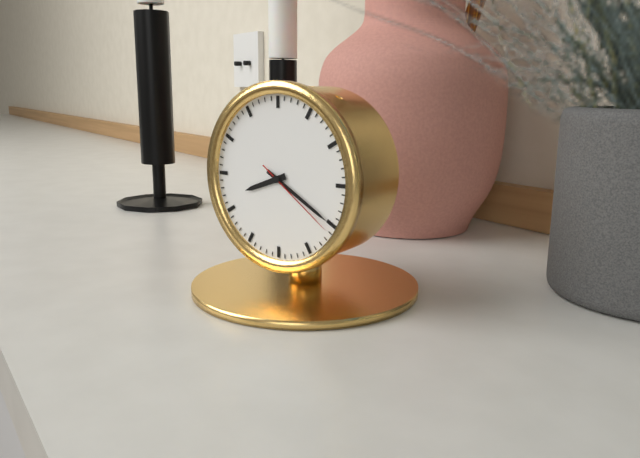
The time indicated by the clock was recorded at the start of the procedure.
8:20:21
